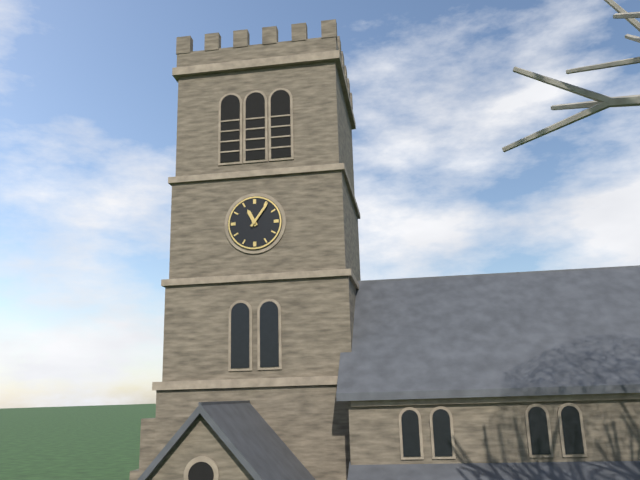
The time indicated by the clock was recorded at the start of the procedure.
11:06
